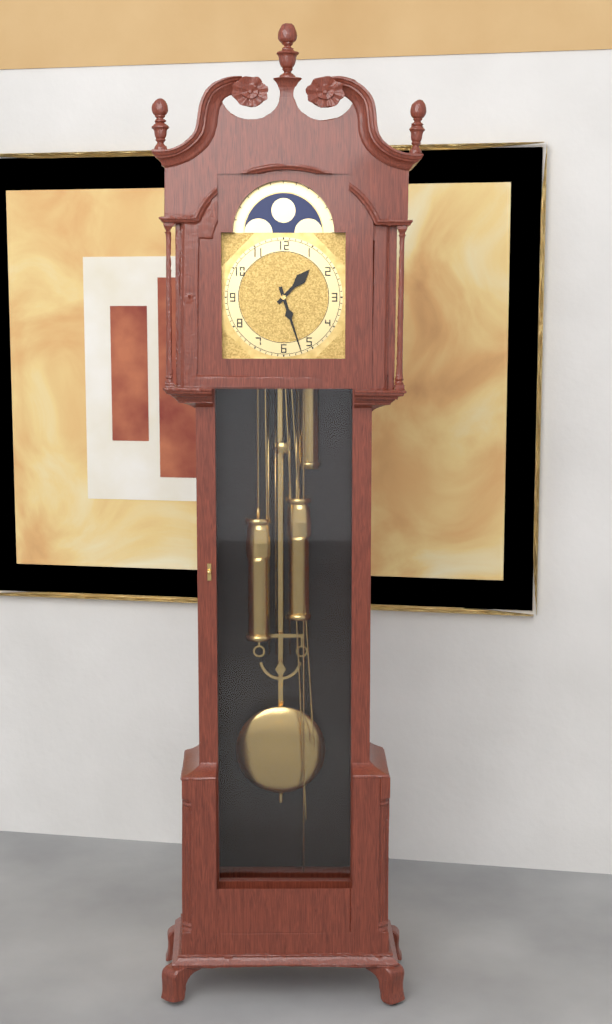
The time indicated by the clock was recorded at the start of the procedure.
1:27
